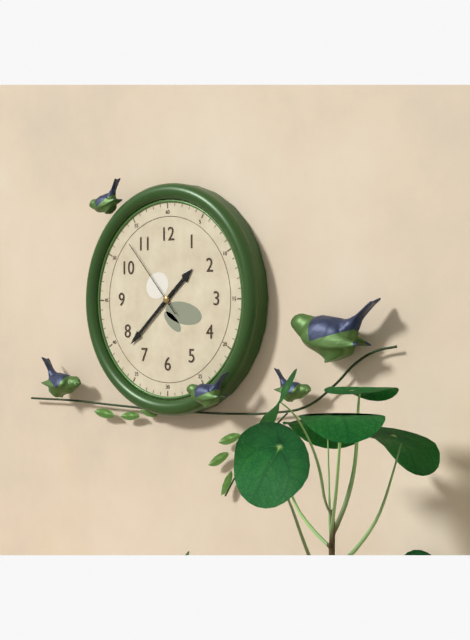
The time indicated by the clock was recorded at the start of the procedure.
1:38:53
